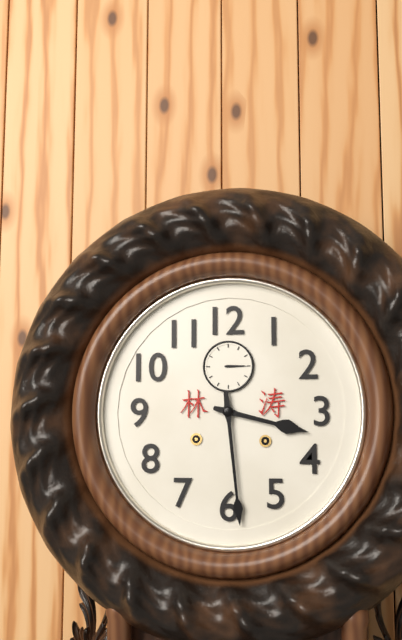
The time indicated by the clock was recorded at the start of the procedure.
3:29
